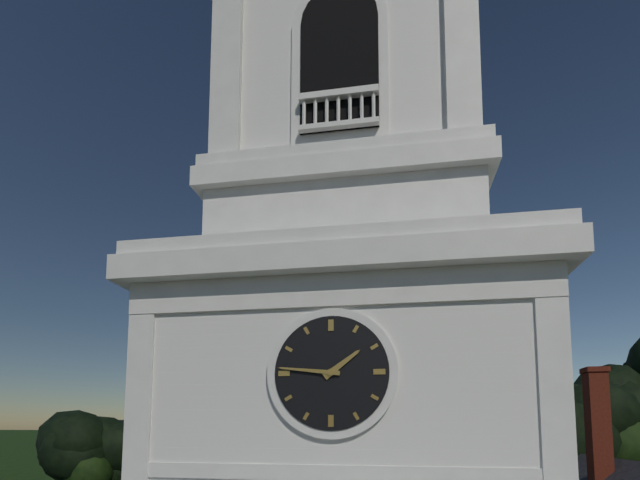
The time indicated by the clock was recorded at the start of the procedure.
1:46
